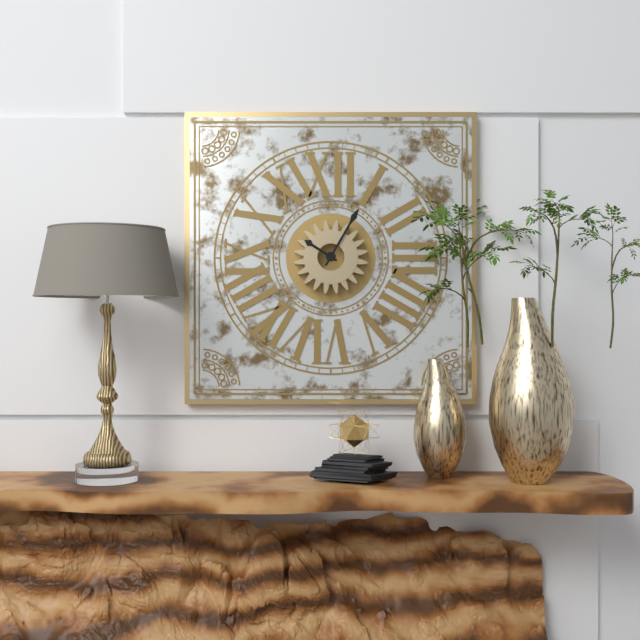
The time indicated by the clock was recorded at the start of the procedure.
10:05
